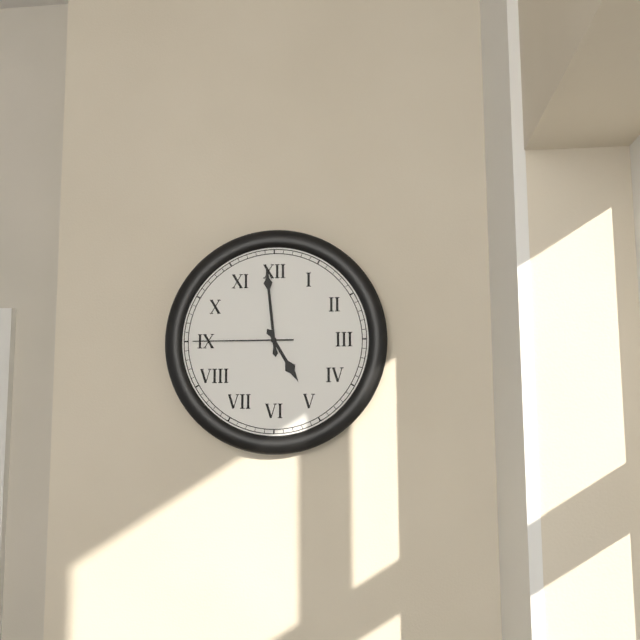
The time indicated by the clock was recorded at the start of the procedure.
4:59:45
